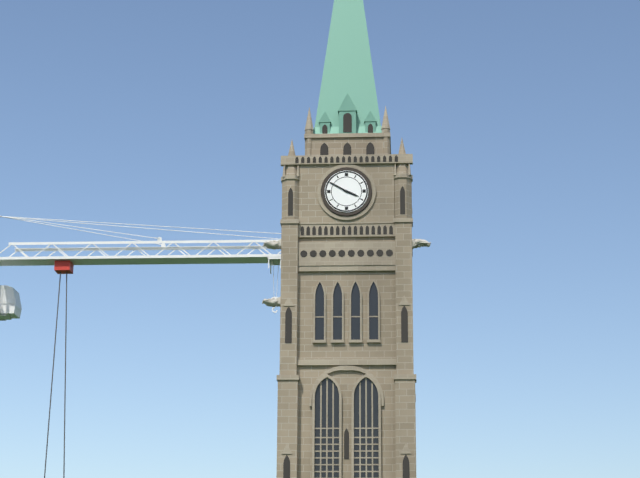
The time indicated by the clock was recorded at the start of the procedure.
3:50
